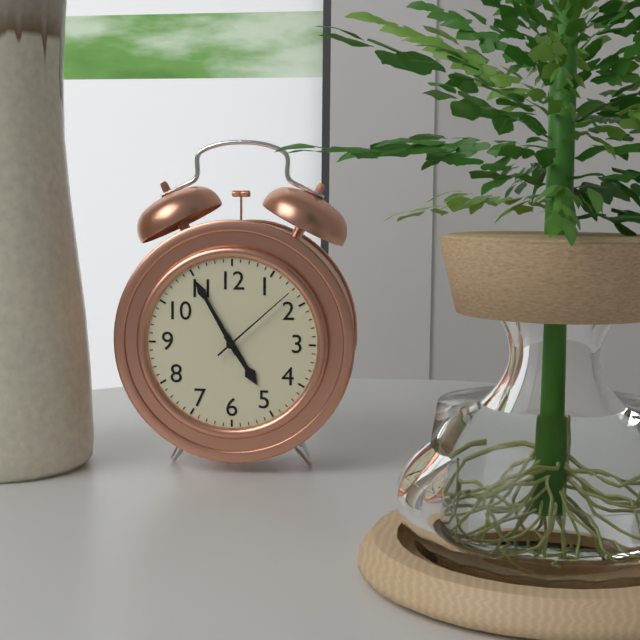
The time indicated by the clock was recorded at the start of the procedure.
4:55:08
